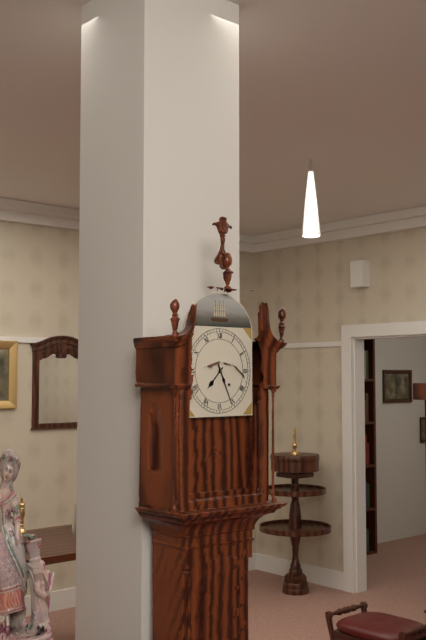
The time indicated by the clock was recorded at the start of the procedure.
7:26
